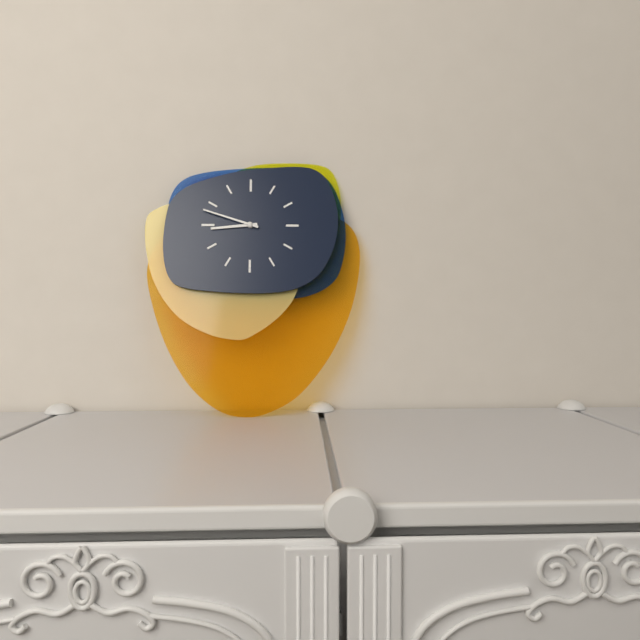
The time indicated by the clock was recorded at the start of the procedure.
8:48
